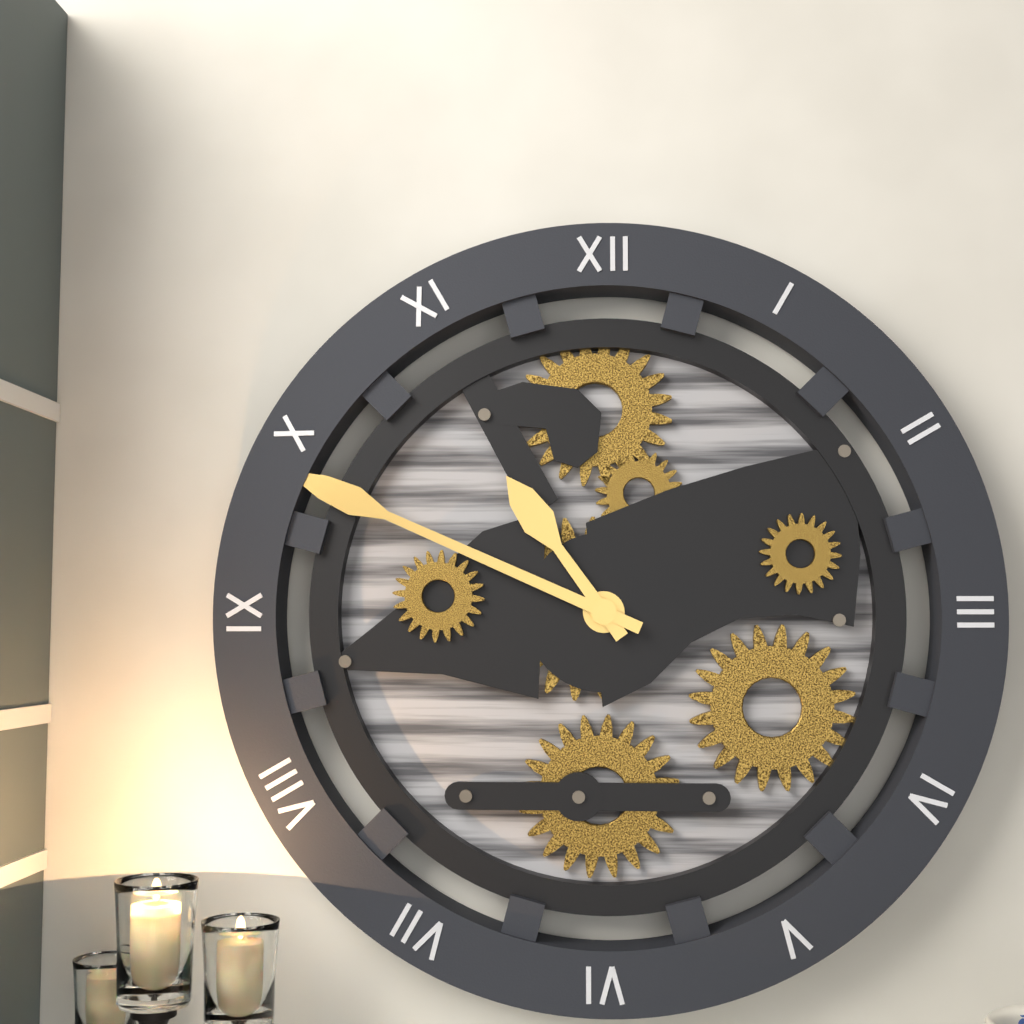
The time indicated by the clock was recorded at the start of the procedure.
10:49
